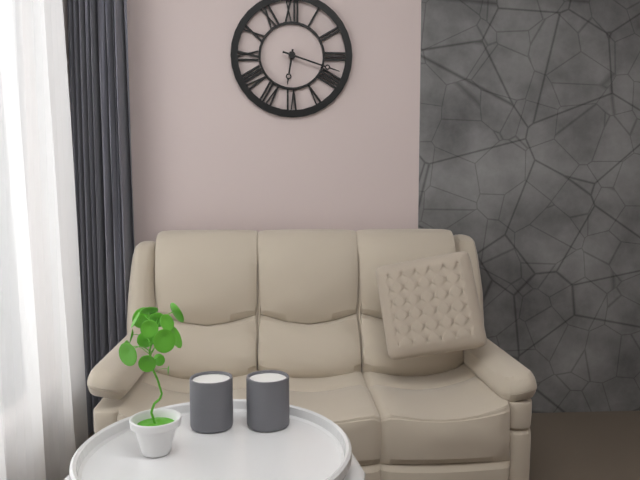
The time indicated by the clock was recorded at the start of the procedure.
6:18
